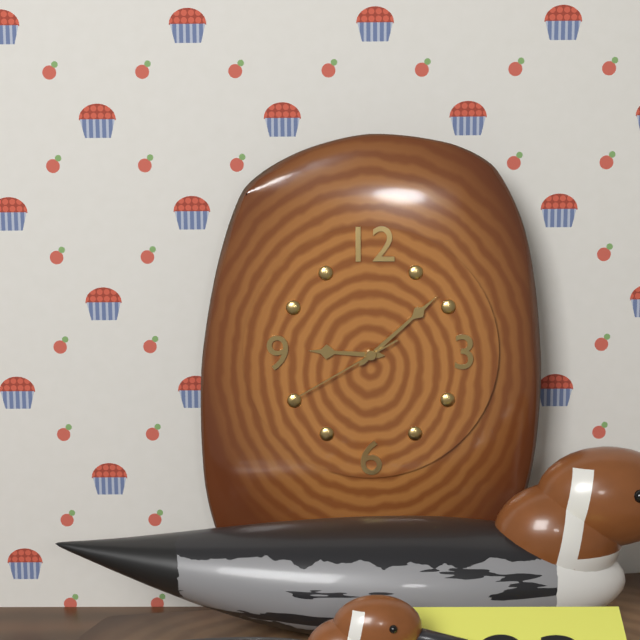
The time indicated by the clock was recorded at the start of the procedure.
9:08:40
